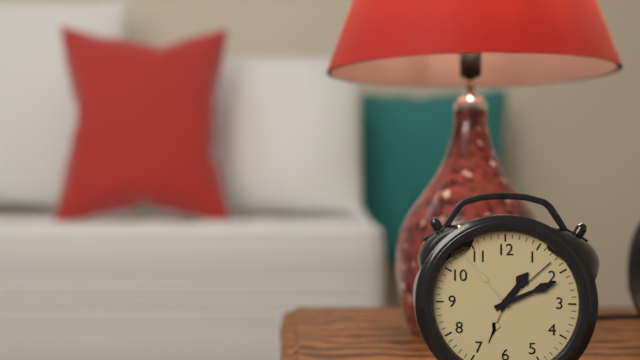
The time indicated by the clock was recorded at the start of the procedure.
1:11
